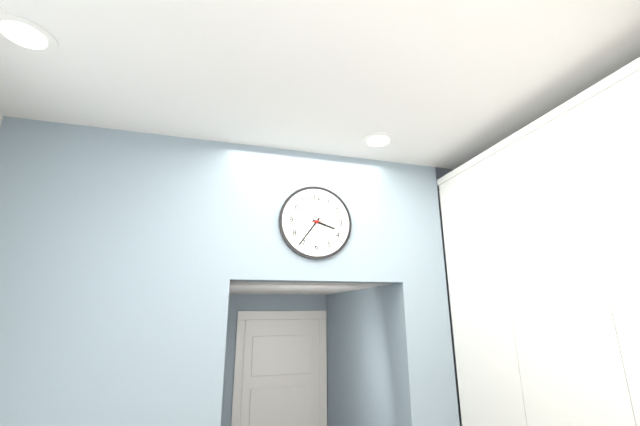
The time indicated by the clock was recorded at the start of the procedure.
3:36
